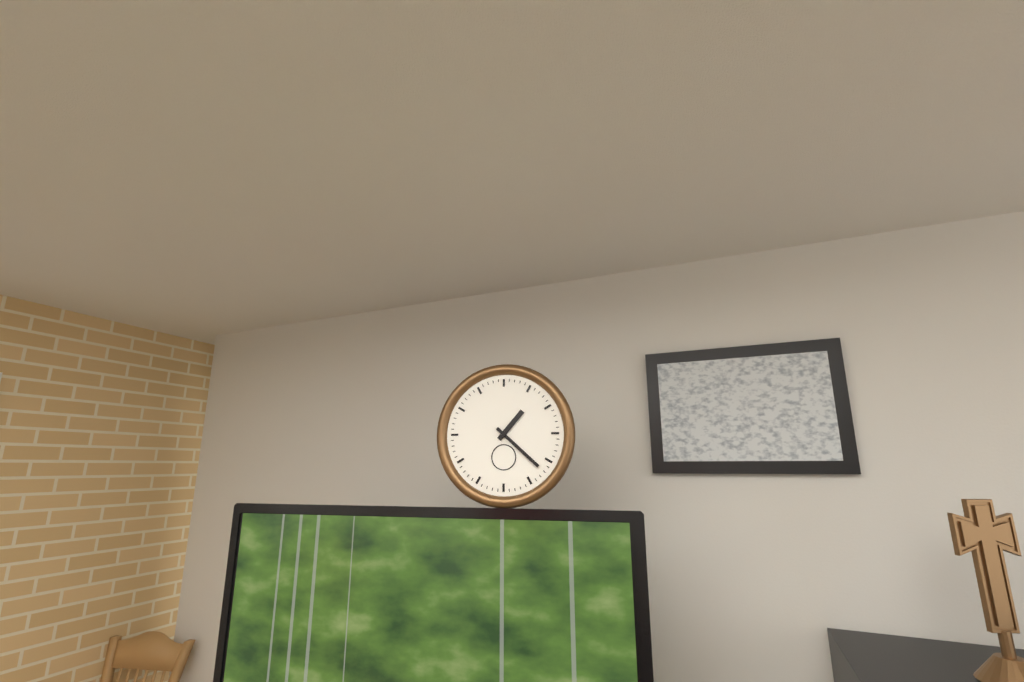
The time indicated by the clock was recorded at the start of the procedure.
1:22
